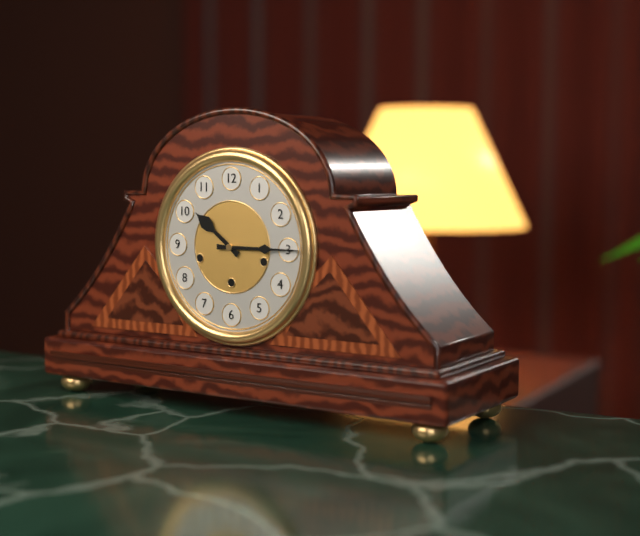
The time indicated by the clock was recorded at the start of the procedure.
10:15
